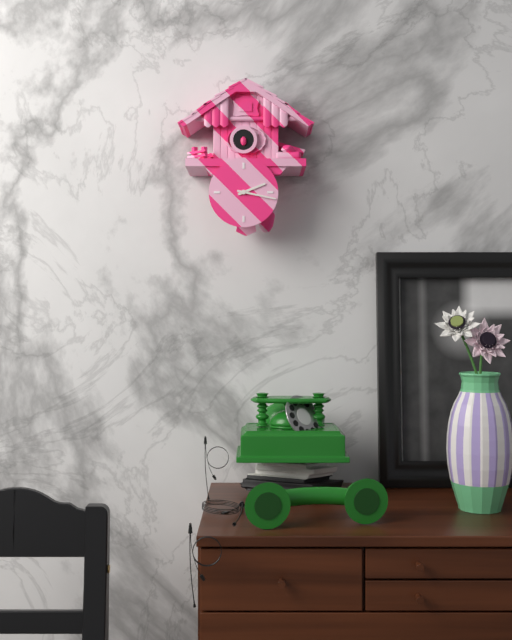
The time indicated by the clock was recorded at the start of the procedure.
2:17
